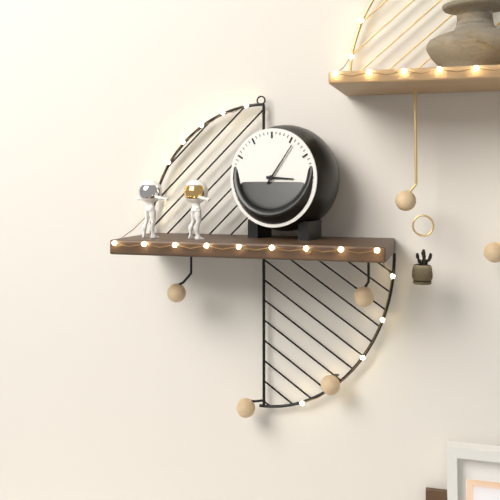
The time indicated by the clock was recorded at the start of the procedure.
3:06
